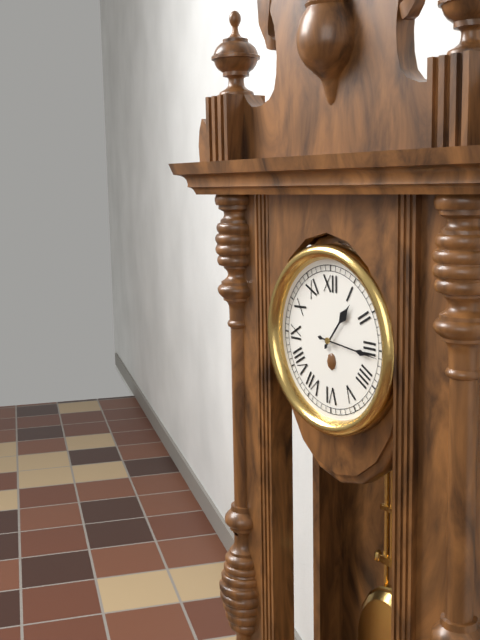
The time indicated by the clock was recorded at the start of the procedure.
1:16
